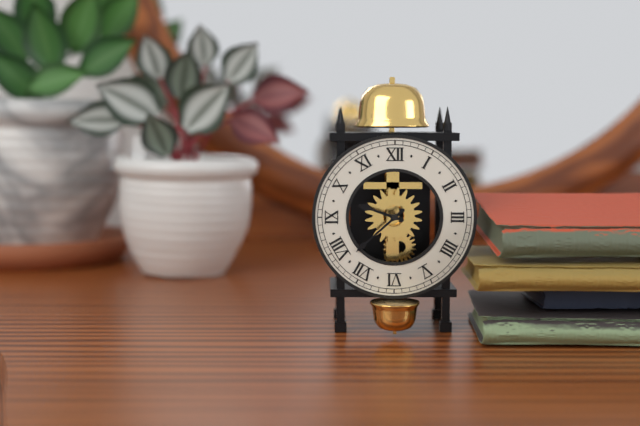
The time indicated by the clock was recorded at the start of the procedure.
9:38
